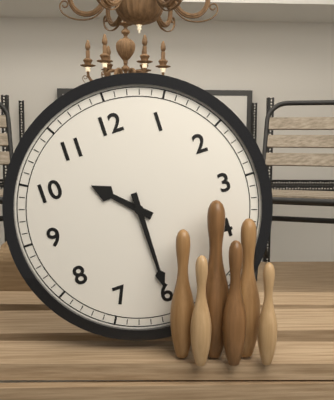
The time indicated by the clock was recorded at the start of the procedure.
10:30
